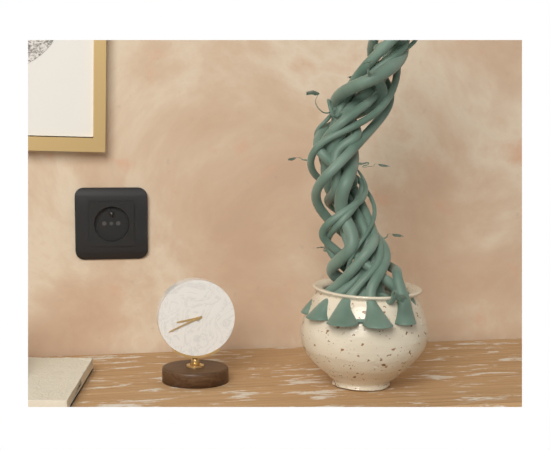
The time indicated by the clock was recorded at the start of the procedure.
8:41
